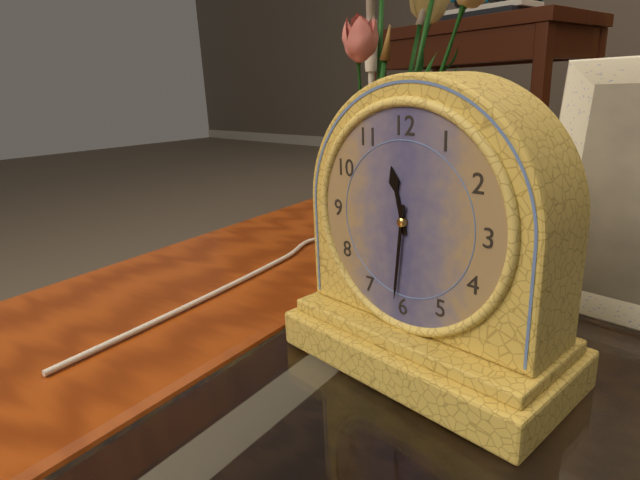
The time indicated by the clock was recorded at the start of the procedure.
11:31
